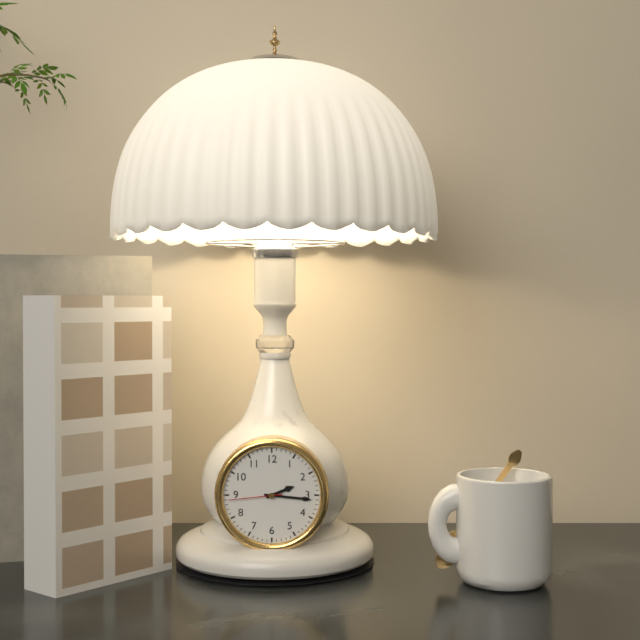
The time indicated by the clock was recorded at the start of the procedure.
2:16:44
